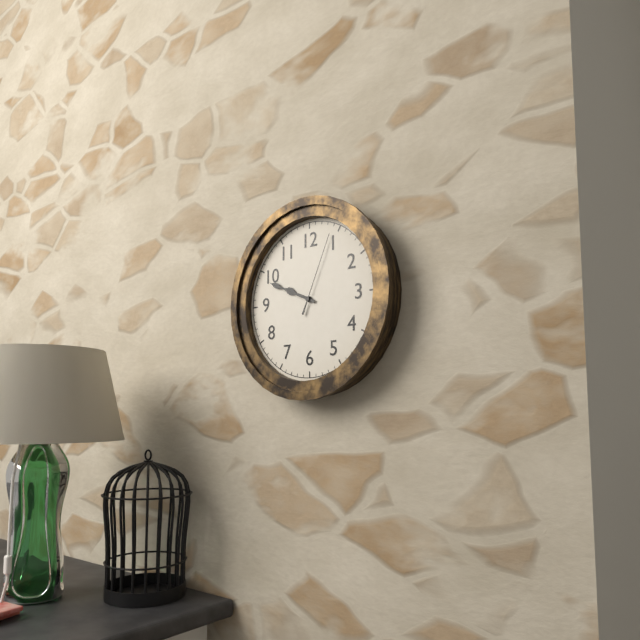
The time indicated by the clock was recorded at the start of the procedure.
9:49:04
